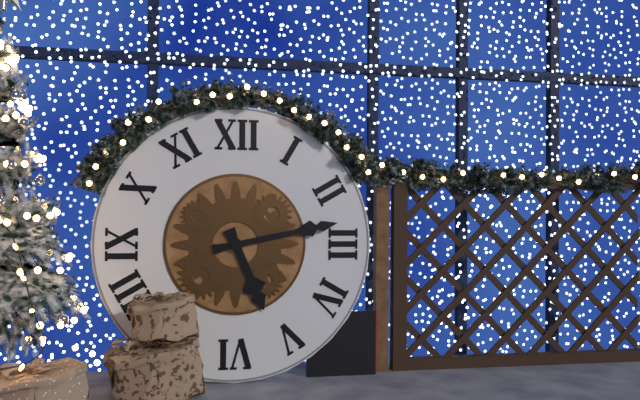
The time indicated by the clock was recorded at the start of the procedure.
5:13
